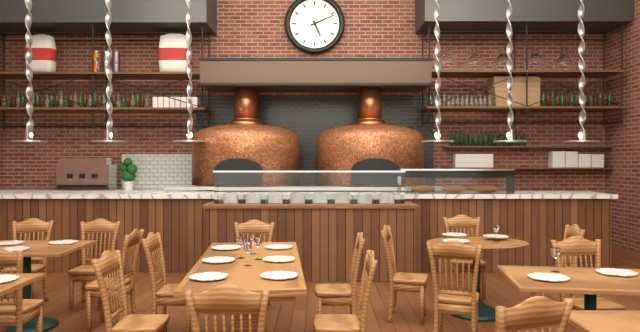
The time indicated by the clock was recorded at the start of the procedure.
5:11
